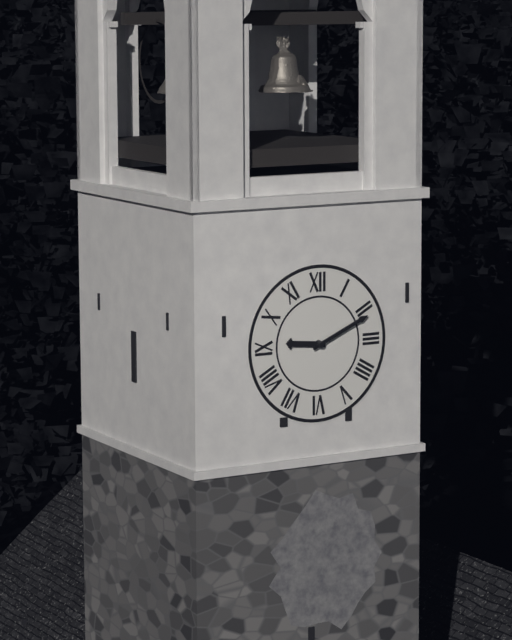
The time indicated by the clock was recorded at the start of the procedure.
9:11
